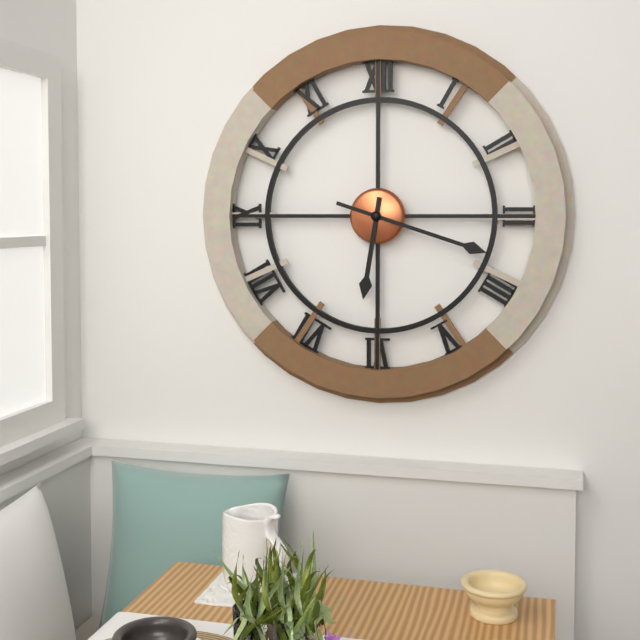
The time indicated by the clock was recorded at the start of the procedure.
6:18
